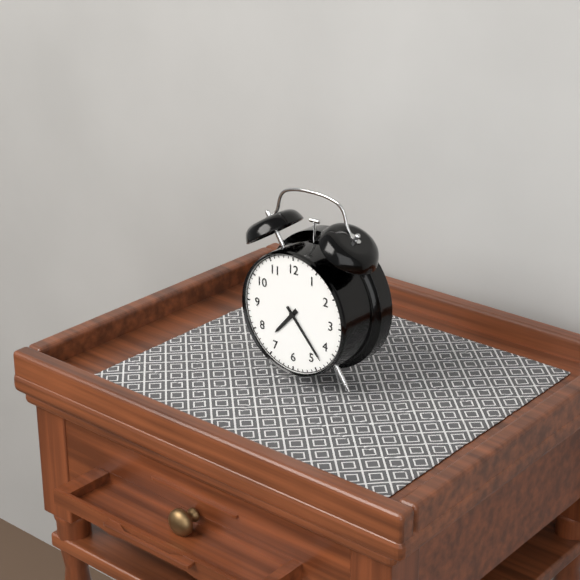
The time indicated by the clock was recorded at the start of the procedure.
7:23
